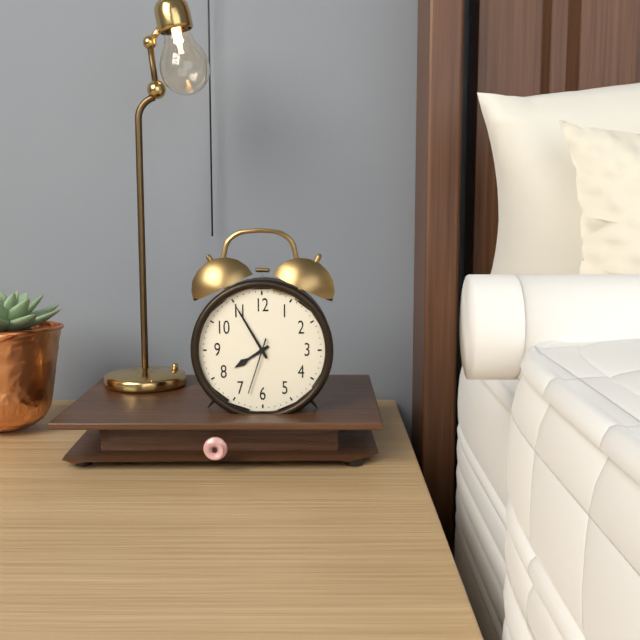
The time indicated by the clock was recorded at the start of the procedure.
7:55:33
